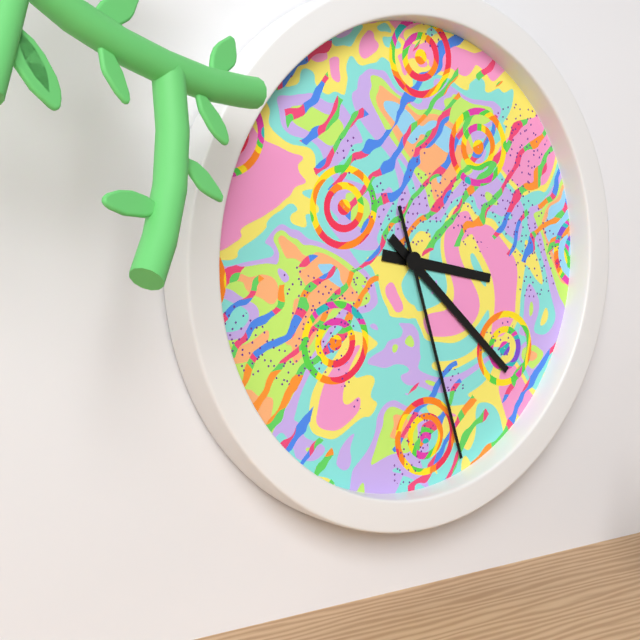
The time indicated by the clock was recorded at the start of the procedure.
3:22:27
